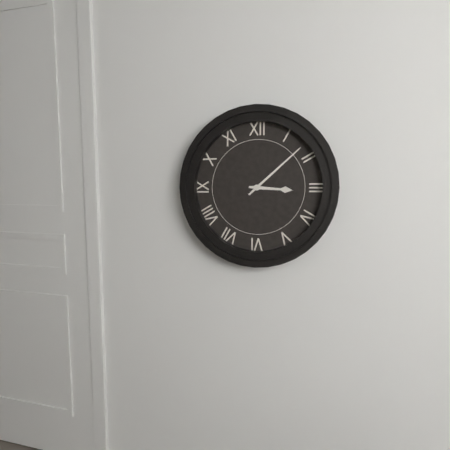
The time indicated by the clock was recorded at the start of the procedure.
3:08
